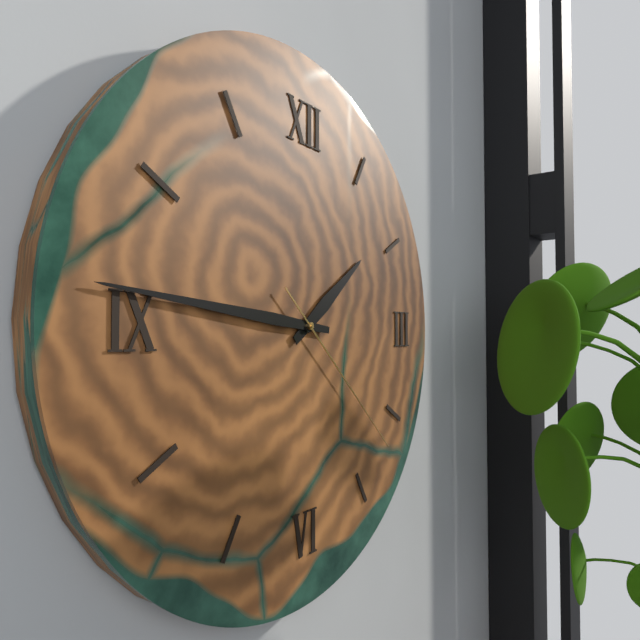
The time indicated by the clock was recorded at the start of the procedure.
1:46:22
